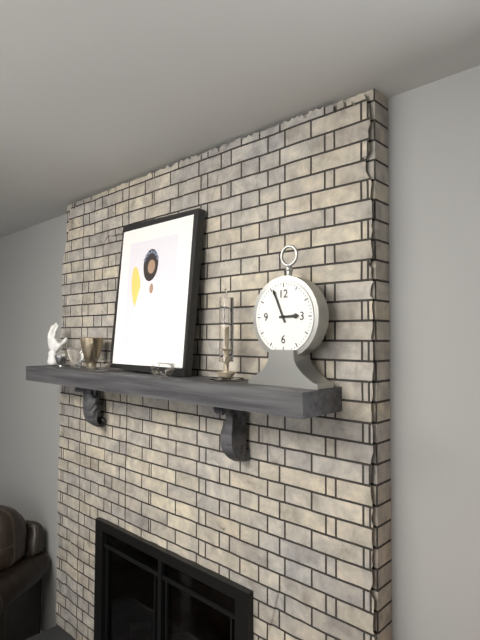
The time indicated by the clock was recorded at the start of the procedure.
2:56
